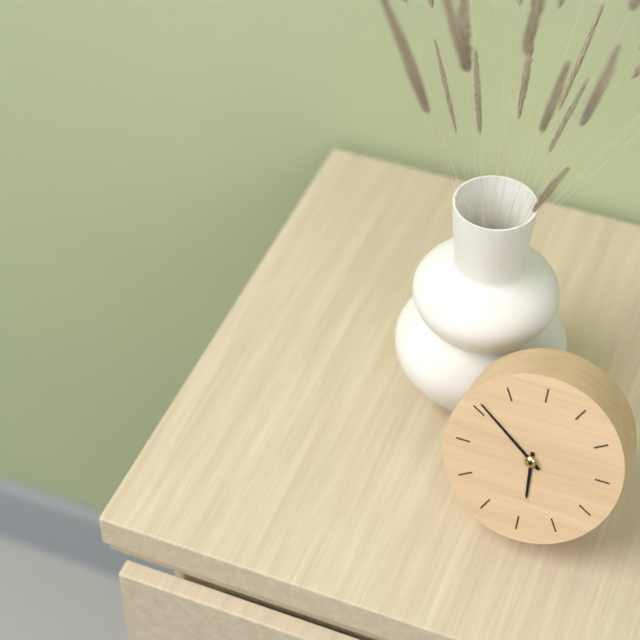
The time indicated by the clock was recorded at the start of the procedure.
5:51
